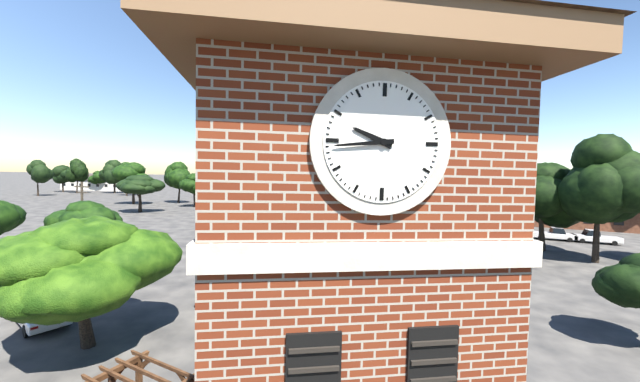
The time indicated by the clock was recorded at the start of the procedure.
9:44
